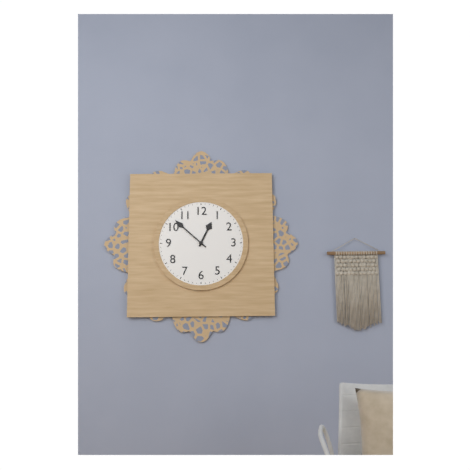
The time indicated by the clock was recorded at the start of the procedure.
12:52
